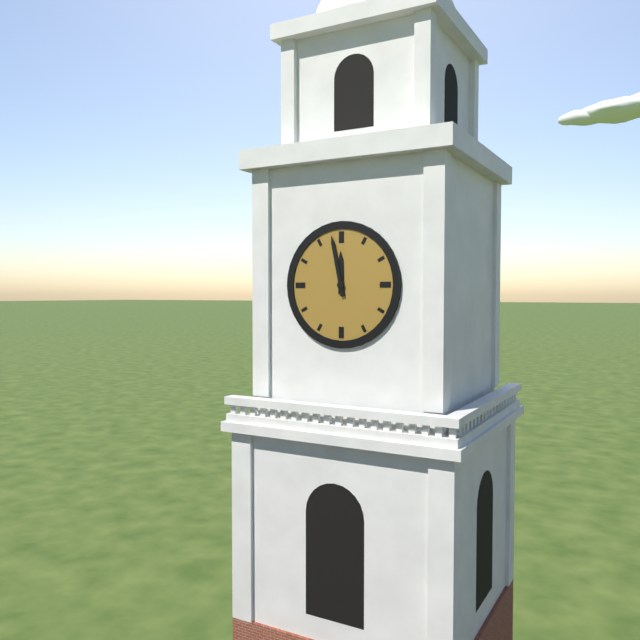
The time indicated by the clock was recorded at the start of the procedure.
11:58
